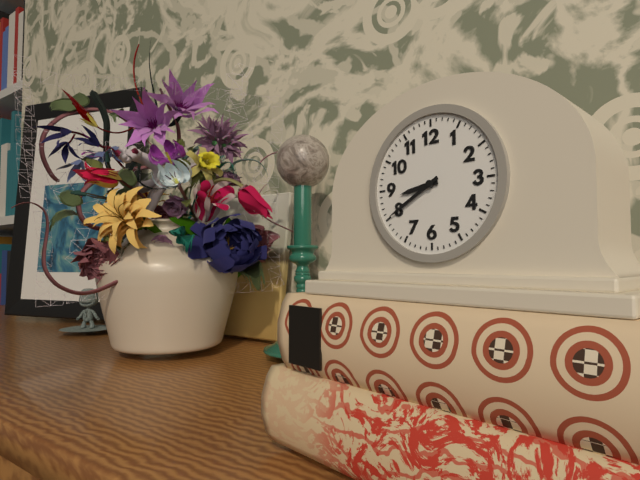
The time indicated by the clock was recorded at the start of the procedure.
8:40
